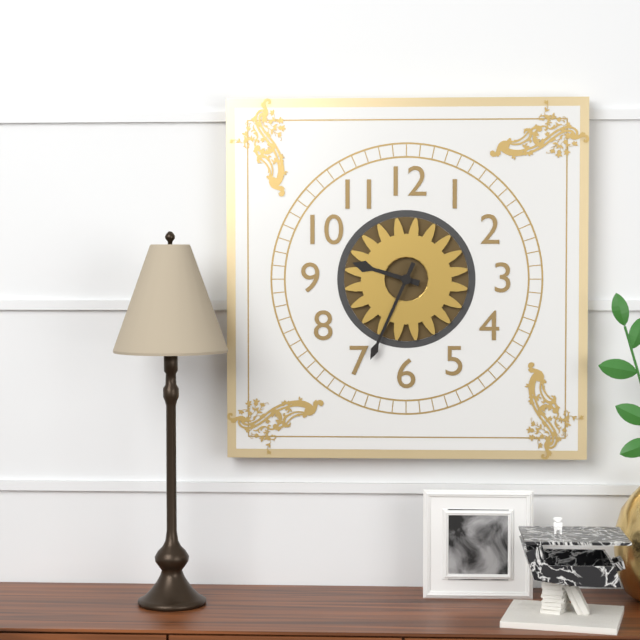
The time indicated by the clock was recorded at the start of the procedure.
9:34
